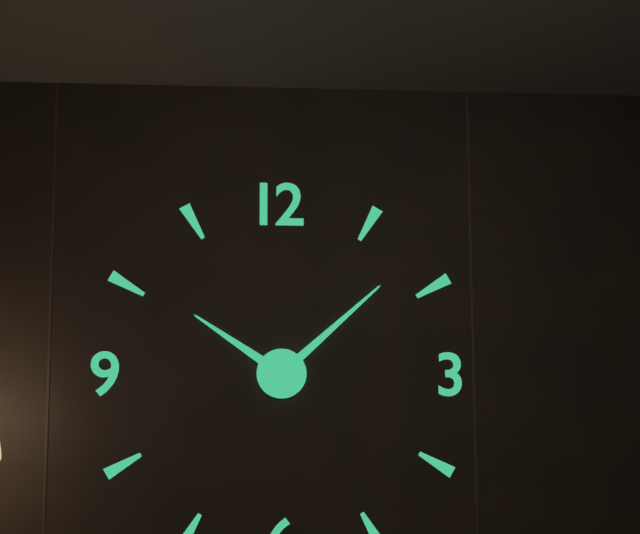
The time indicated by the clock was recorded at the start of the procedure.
10:08
